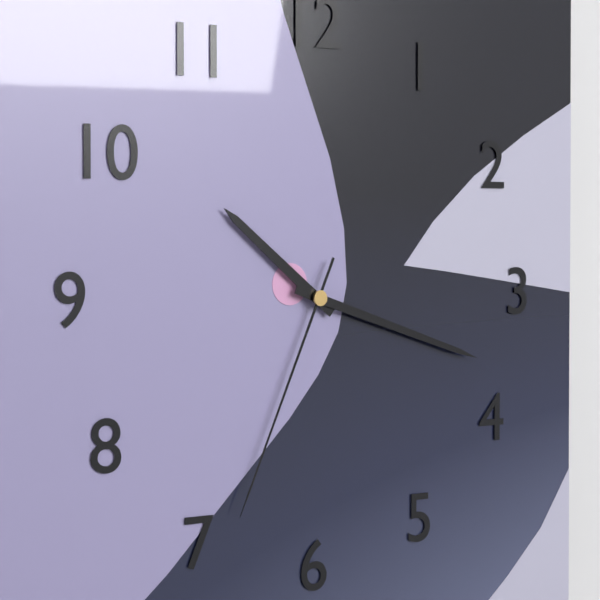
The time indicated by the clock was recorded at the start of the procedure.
10:18:34
